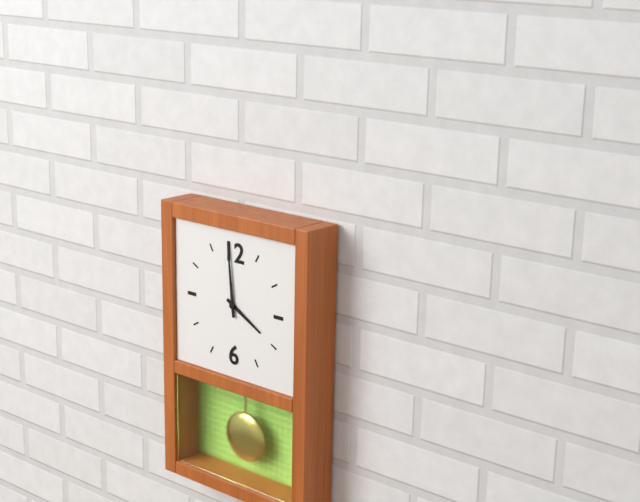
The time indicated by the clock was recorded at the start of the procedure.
3:59
